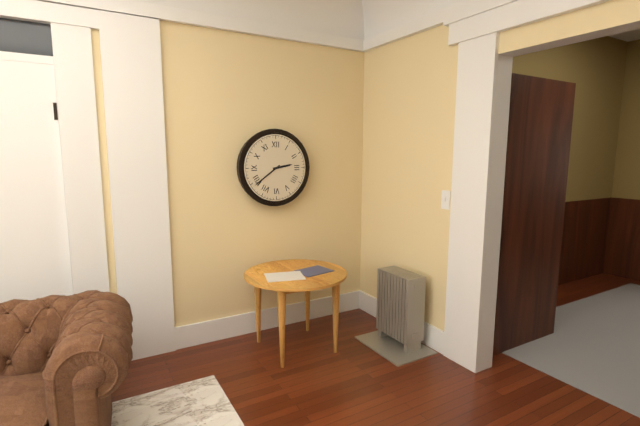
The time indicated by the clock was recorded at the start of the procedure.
2:39
